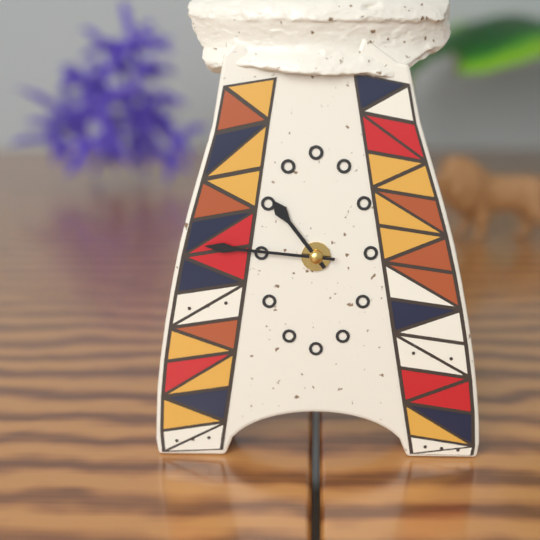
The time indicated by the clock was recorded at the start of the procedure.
10:46
